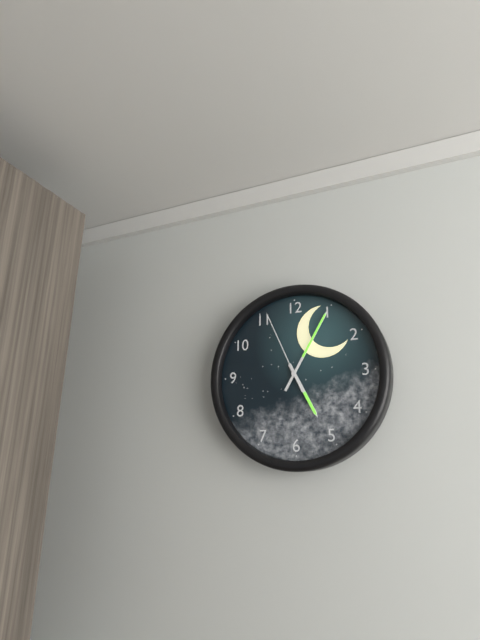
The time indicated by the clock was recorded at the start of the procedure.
5:05:56
